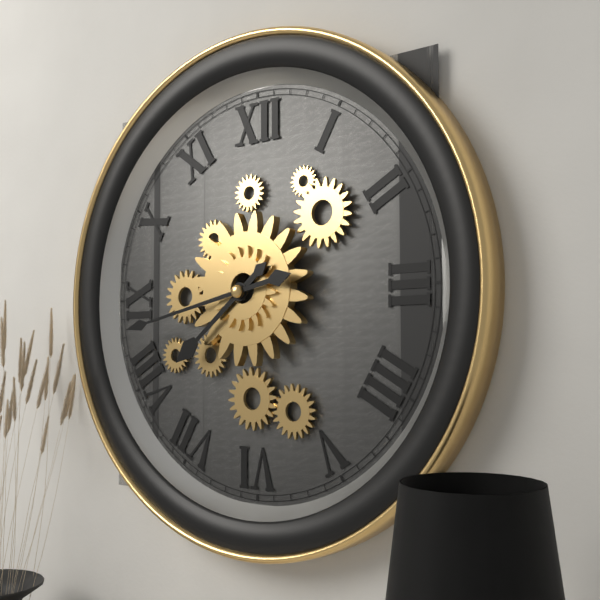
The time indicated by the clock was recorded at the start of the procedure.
7:43
